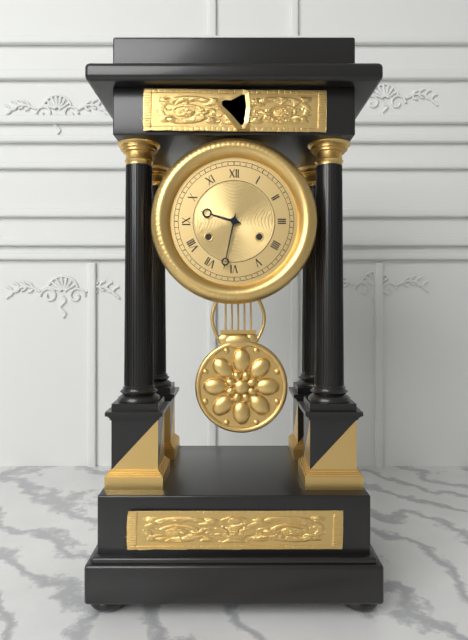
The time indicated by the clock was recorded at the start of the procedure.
9:32
